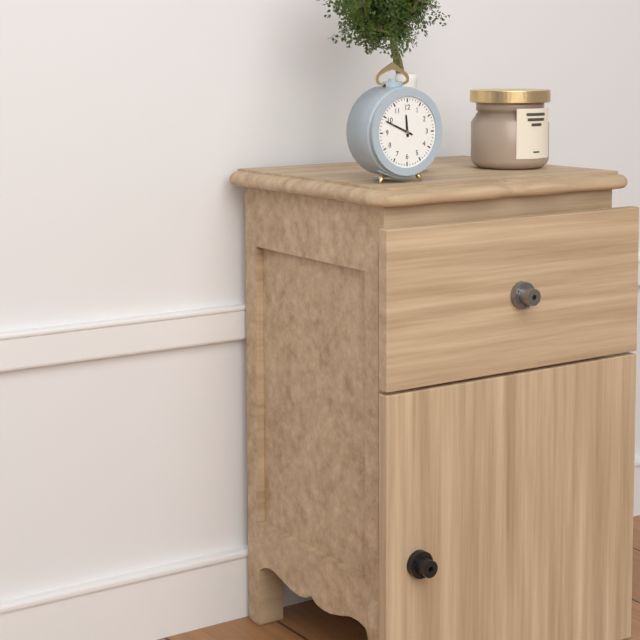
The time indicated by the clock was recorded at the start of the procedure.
11:49
